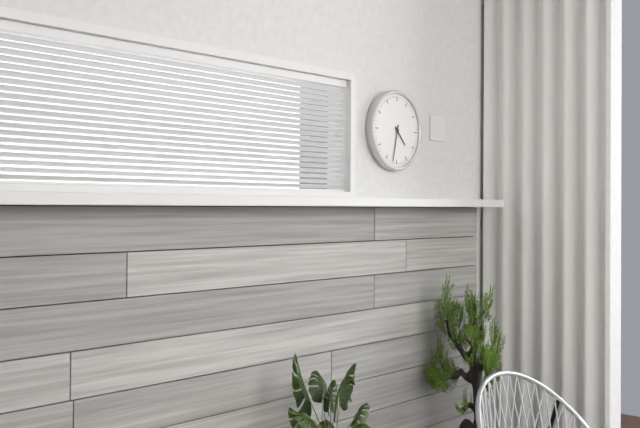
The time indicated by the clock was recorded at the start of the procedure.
4:32
